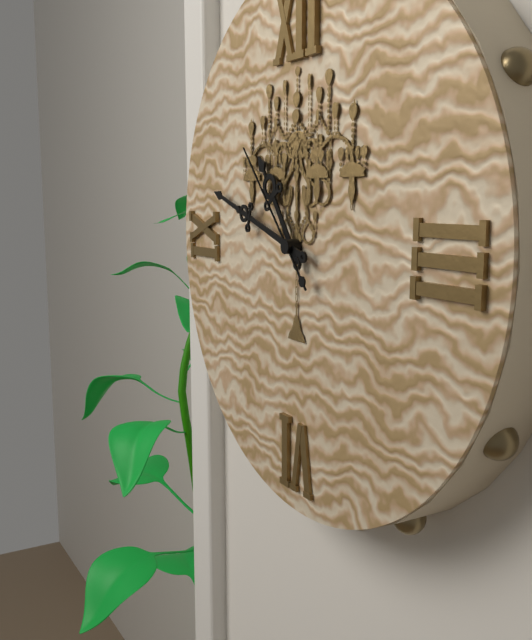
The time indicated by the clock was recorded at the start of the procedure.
10:48:53
